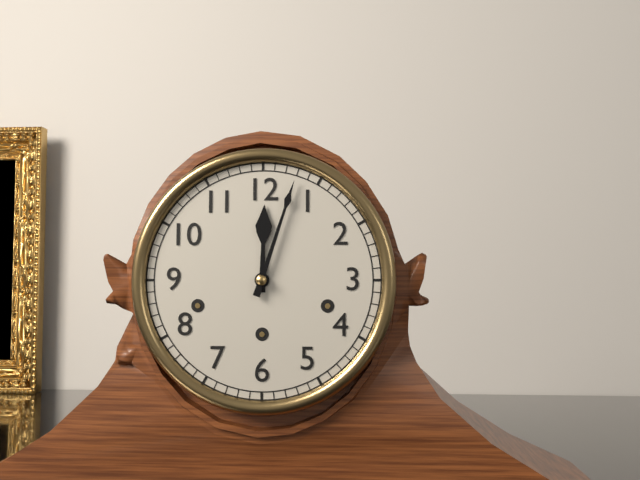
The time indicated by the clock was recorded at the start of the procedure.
12:03
